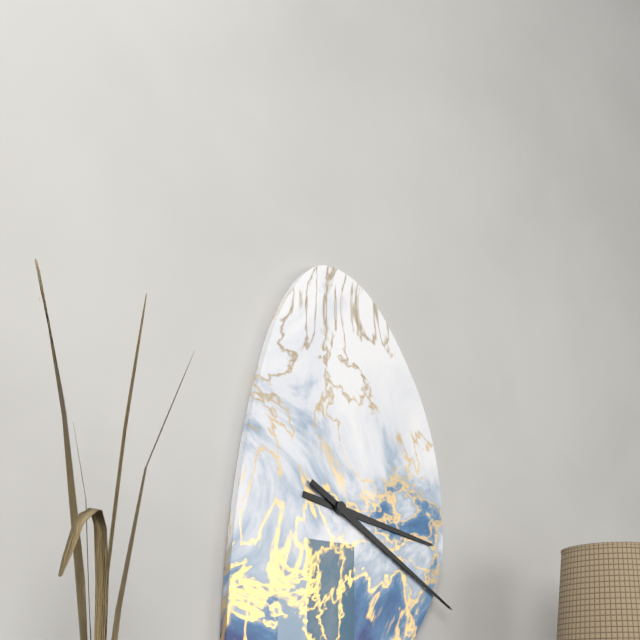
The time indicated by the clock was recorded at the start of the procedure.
3:20
